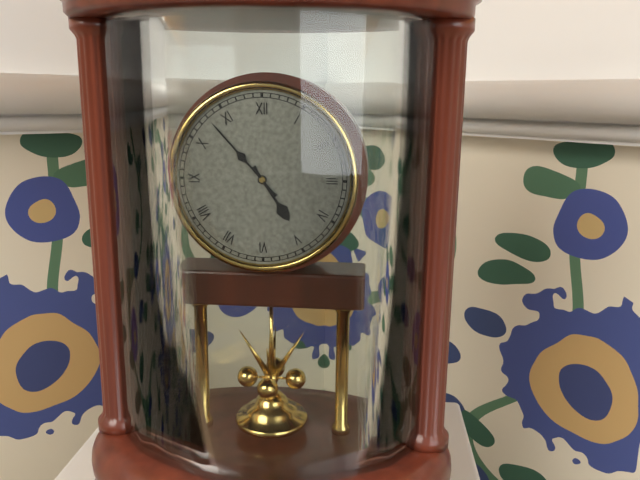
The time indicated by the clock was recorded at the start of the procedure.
4:53
